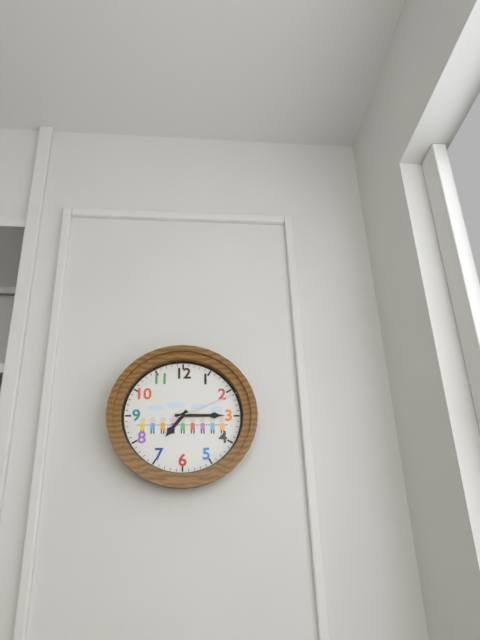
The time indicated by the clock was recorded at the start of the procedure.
7:15:11
